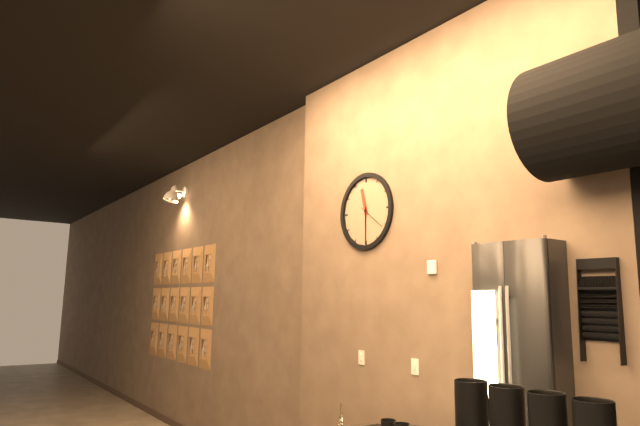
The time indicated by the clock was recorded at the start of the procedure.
11:30
